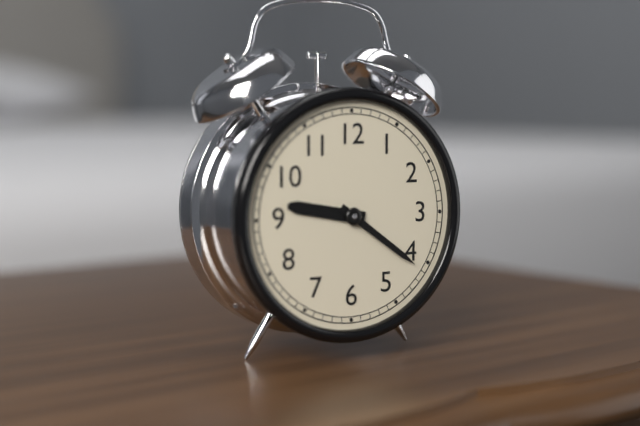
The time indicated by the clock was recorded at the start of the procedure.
9:21
